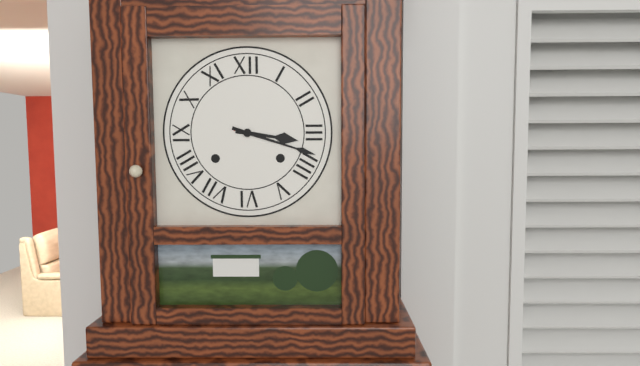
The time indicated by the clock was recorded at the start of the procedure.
3:18
